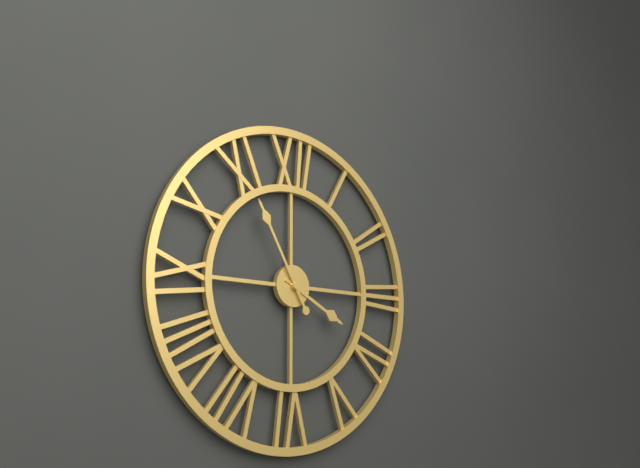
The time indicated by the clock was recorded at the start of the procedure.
3:55
